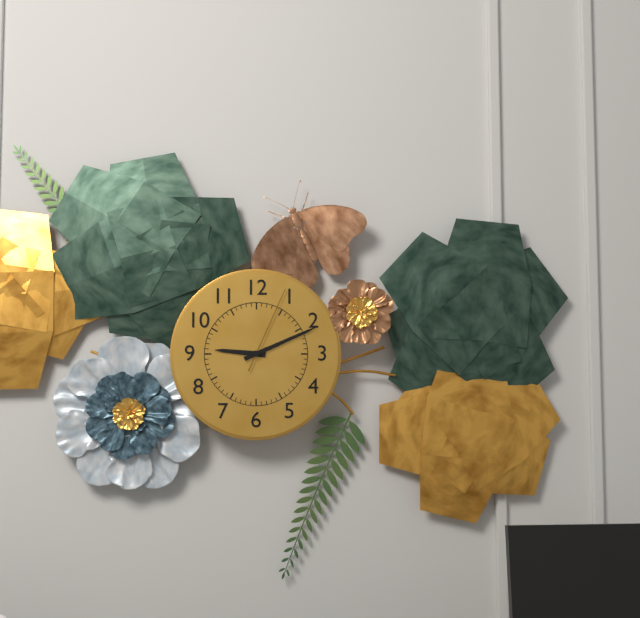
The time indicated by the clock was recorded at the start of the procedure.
9:11:04
